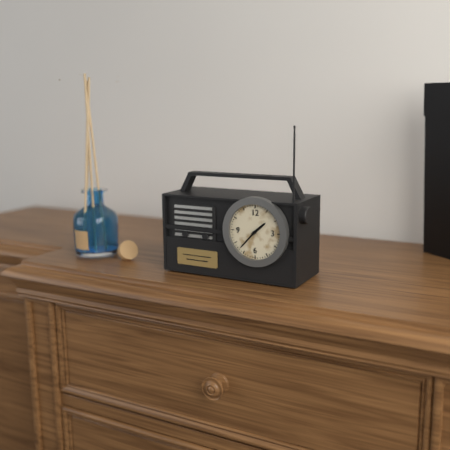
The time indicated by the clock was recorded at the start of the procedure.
1:37
